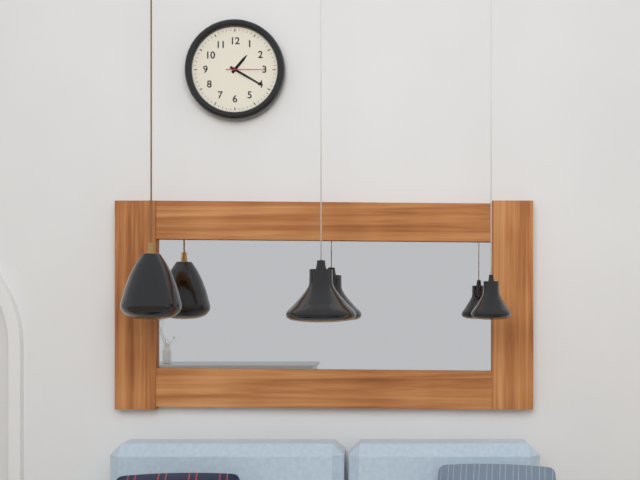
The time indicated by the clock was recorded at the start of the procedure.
1:20
